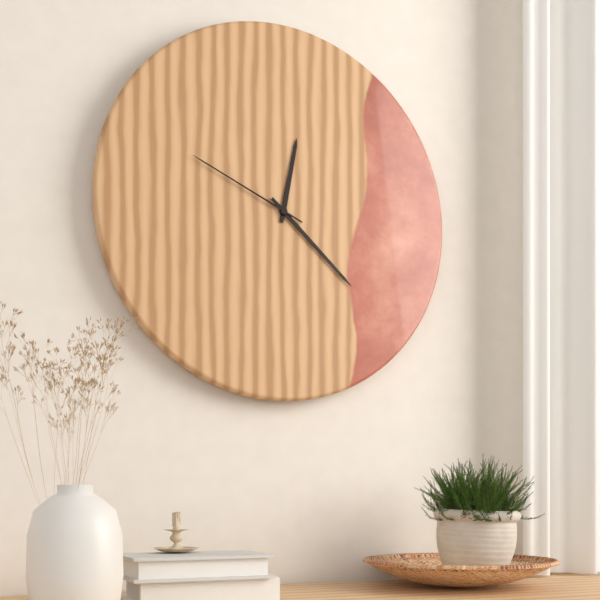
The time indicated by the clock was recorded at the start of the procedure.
12:22:49
